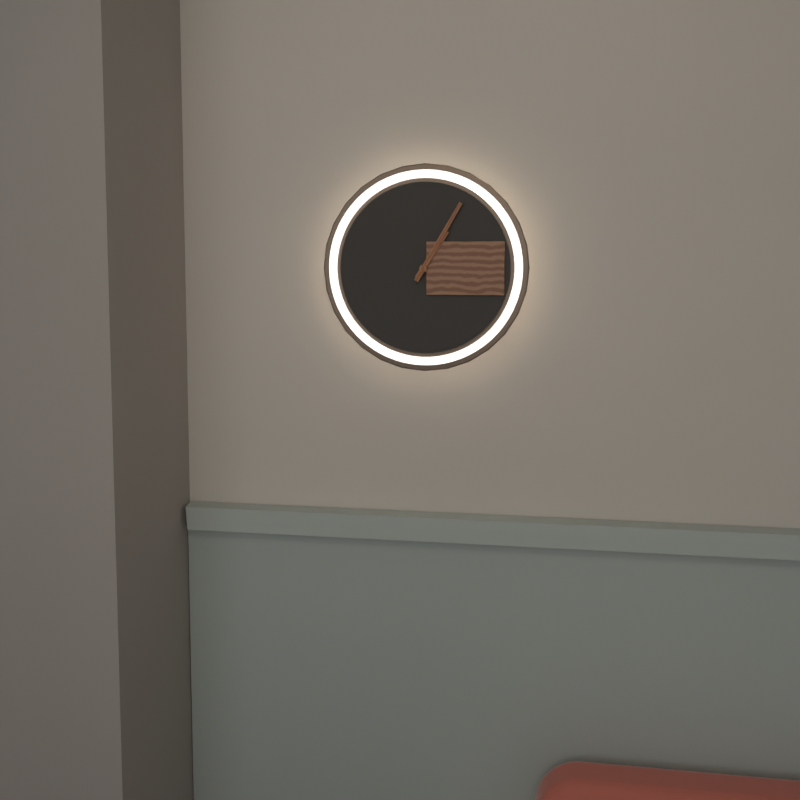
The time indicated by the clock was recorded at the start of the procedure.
1:05
